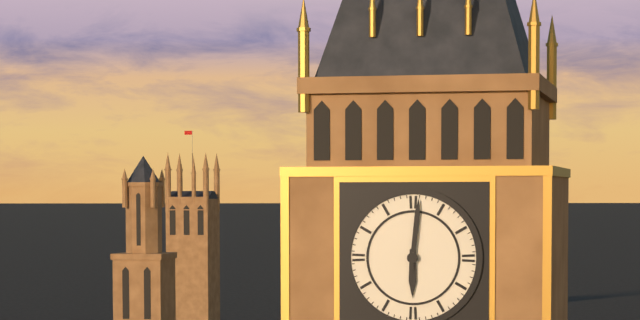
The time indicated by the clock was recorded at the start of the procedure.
6:01
